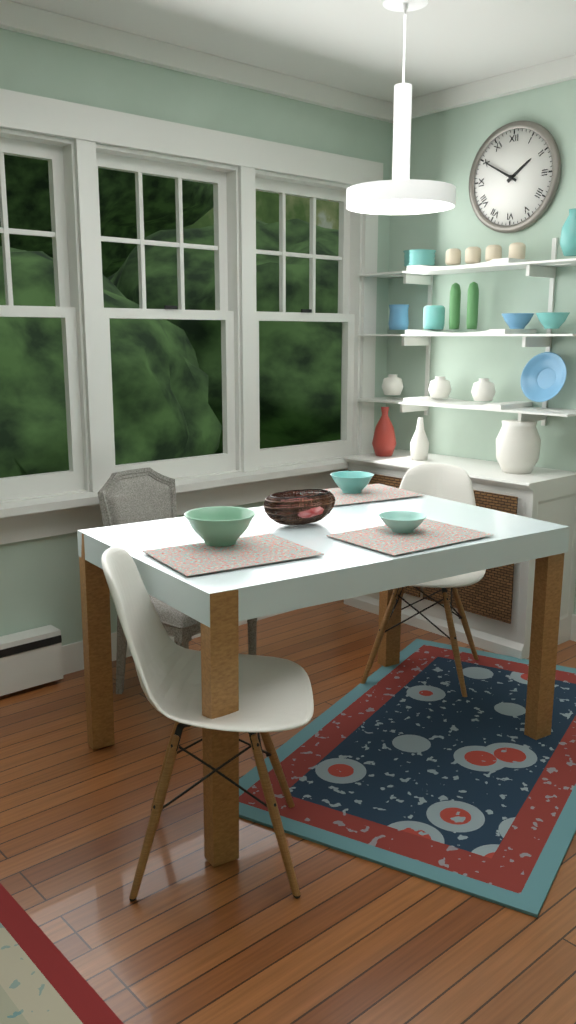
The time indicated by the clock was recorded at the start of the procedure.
1:50
